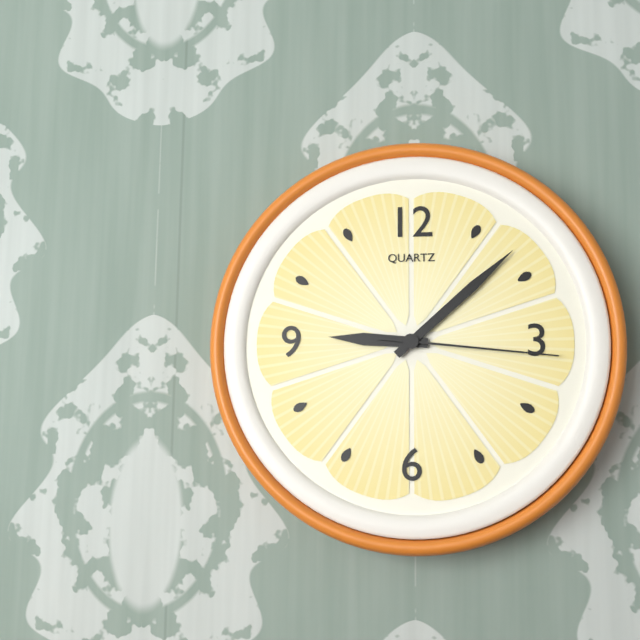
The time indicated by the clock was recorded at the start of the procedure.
9:08:16
